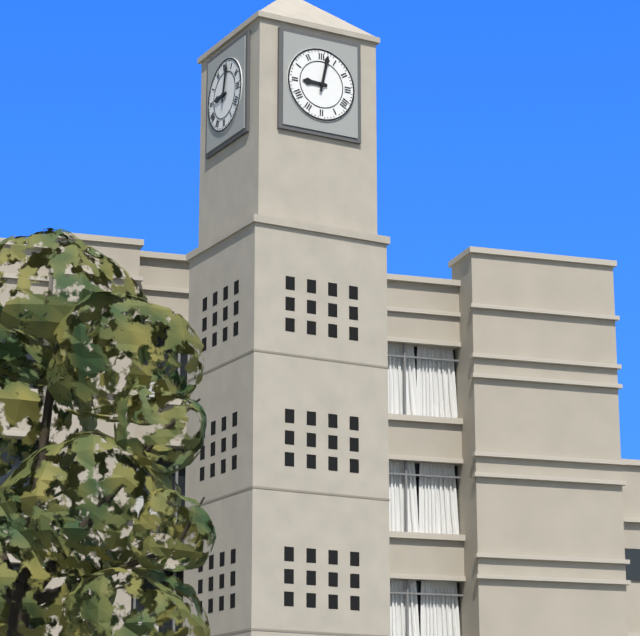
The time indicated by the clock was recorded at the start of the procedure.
9:02
